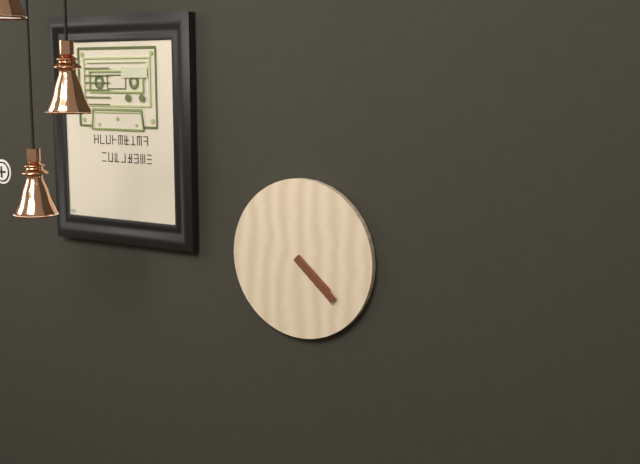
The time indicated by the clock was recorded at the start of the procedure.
4:22
